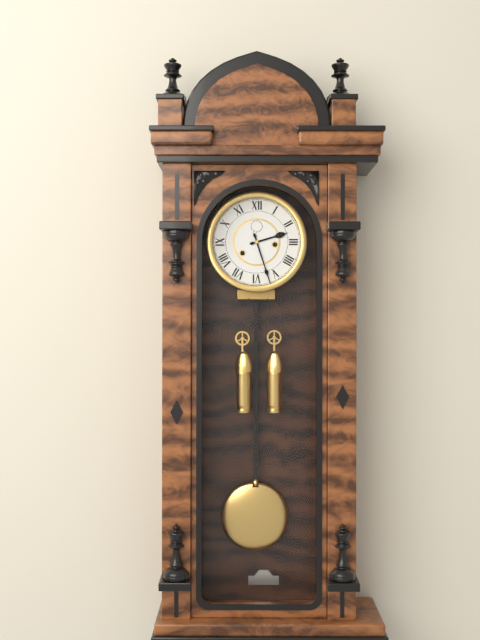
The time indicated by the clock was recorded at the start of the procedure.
2:27
